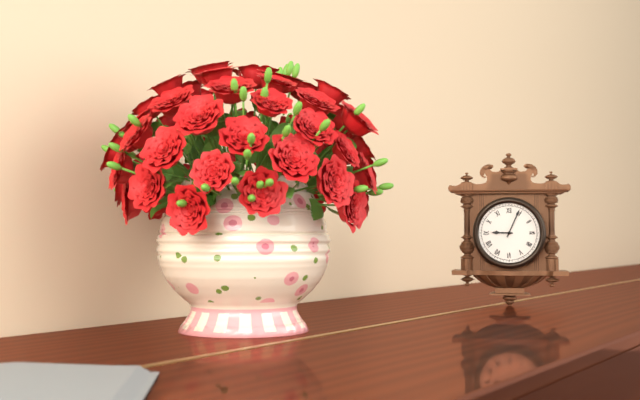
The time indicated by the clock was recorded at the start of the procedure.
9:04
